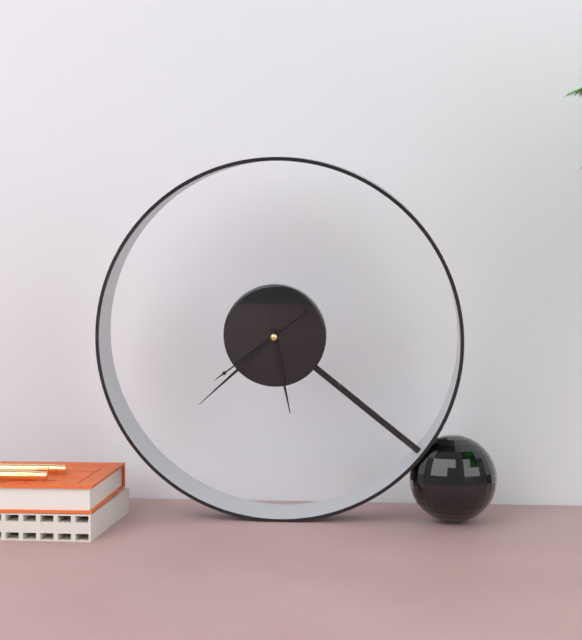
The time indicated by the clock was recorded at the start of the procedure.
5:38:39
